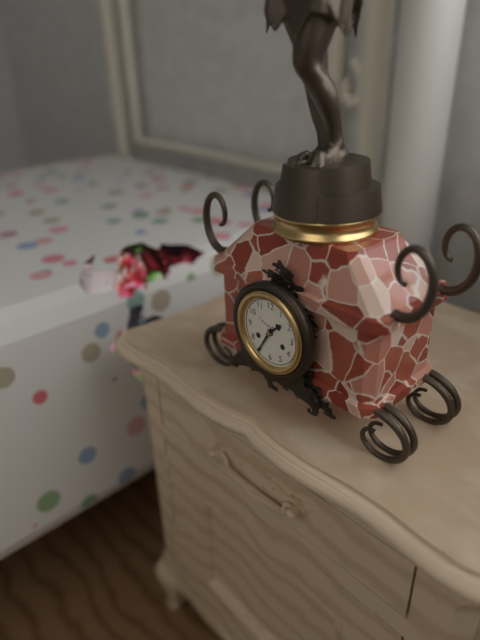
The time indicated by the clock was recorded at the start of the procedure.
1:35
